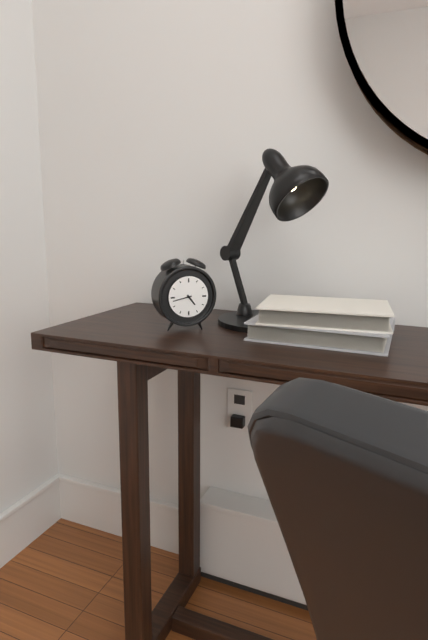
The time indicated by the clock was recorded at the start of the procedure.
4:43
